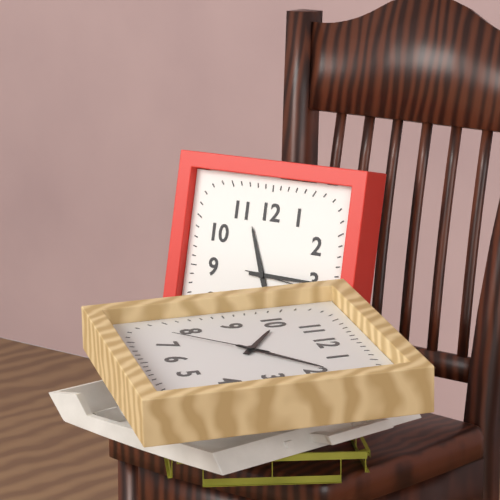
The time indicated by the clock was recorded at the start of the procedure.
11:15
